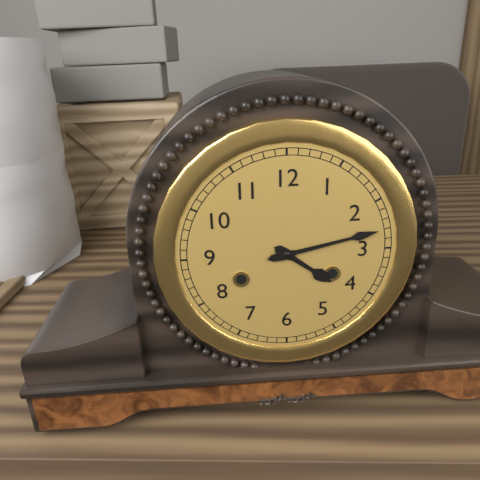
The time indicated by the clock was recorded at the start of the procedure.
4:13
